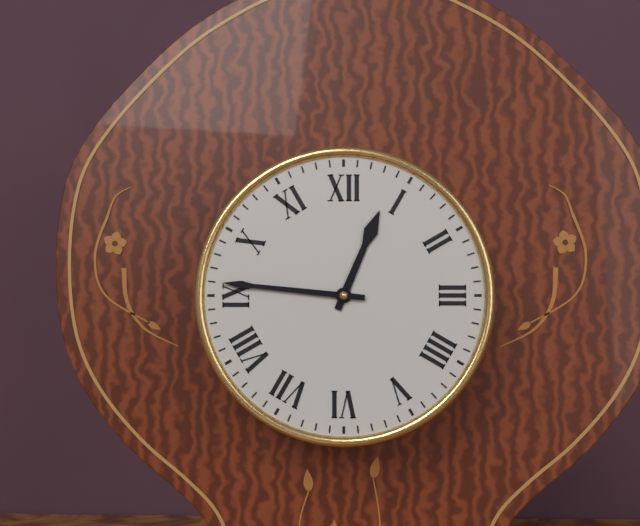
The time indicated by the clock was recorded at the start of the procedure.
12:46
